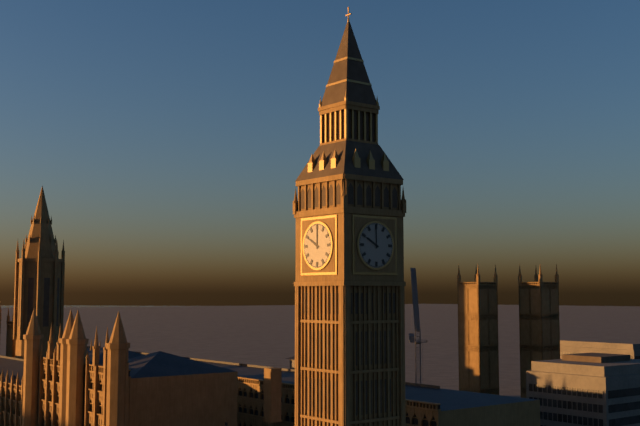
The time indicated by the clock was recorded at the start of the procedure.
10:00
